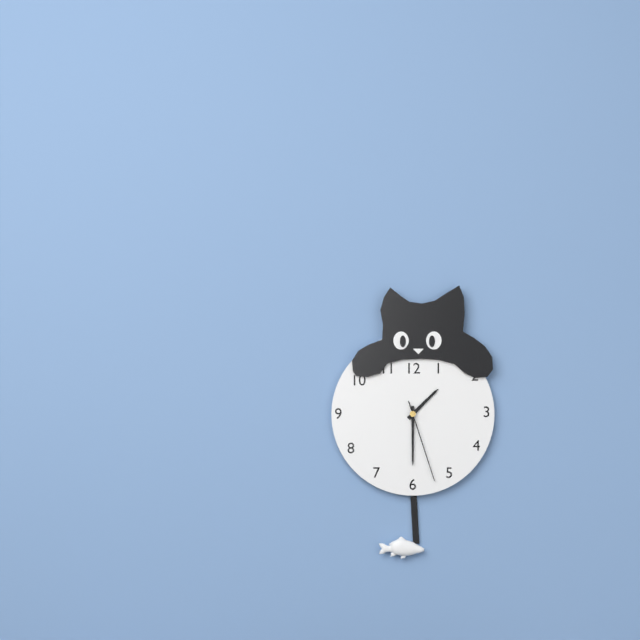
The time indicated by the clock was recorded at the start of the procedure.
1:30:27
